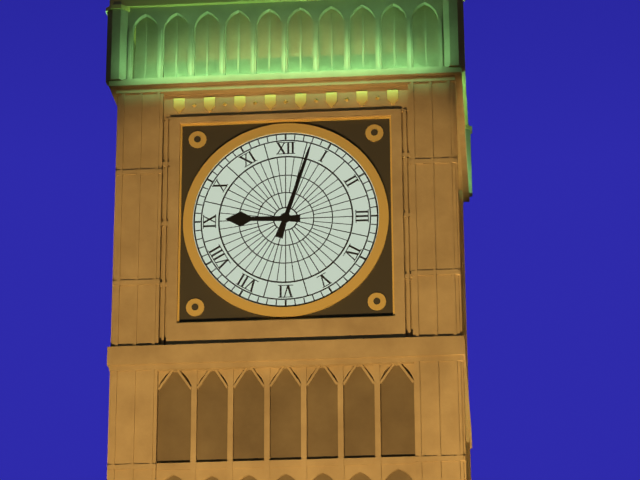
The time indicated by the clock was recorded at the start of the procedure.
9:03
